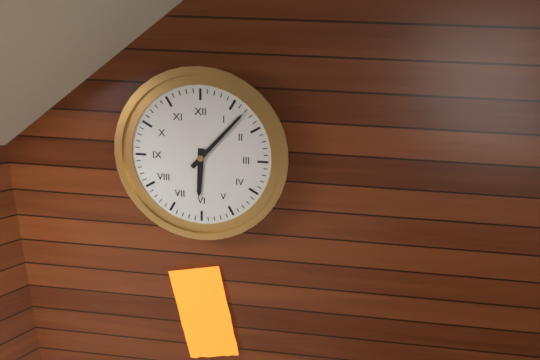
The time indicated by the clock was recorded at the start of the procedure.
6:07
